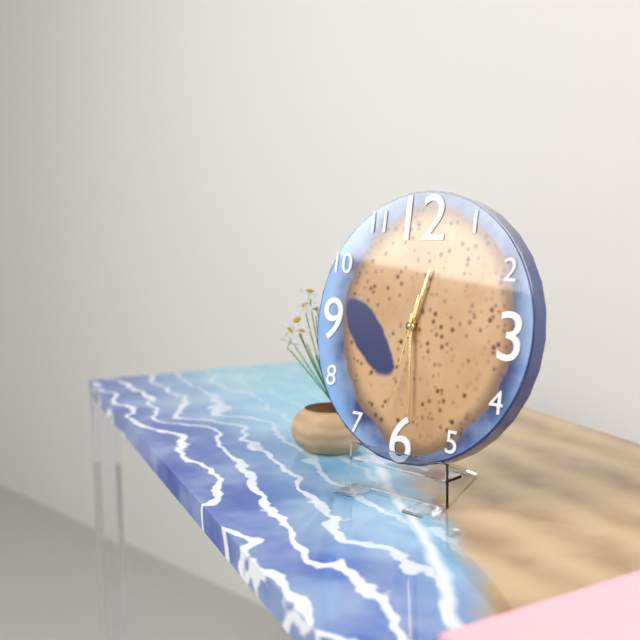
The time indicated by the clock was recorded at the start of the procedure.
12:29:32
